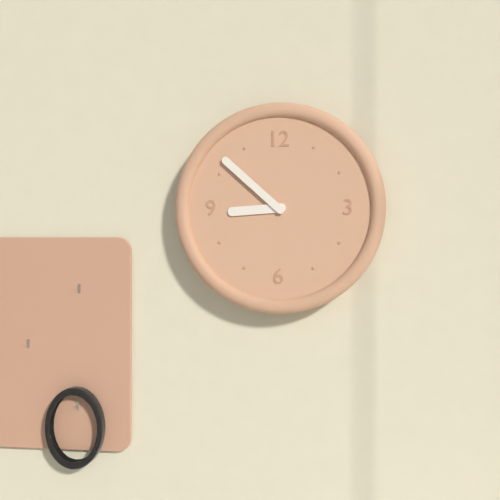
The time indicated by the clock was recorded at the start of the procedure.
8:52
